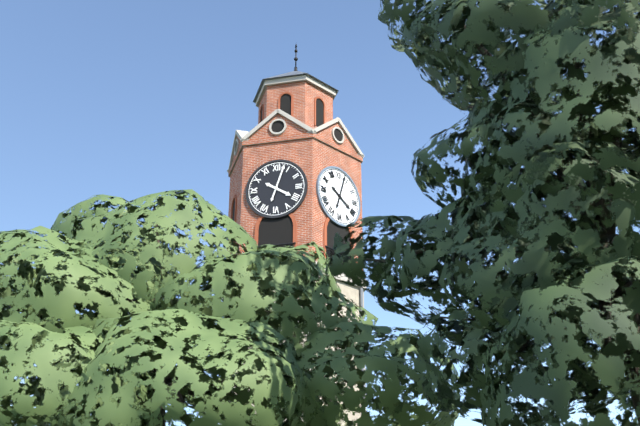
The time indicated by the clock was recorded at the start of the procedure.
4:03
